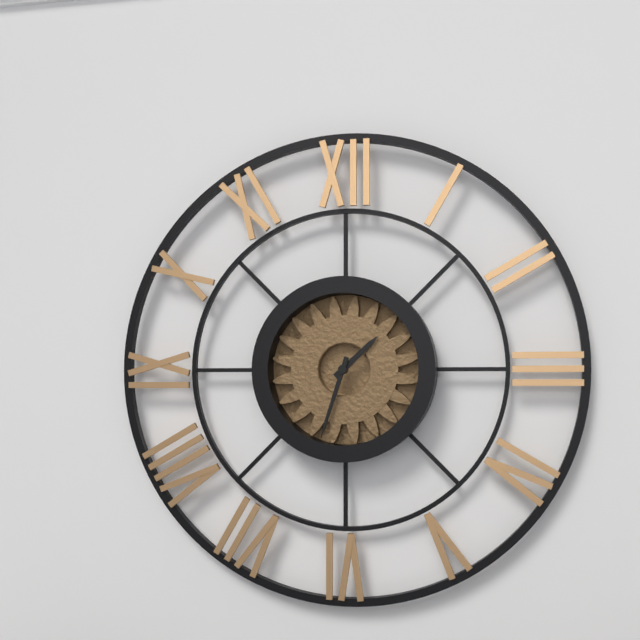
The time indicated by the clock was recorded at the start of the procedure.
1:33
